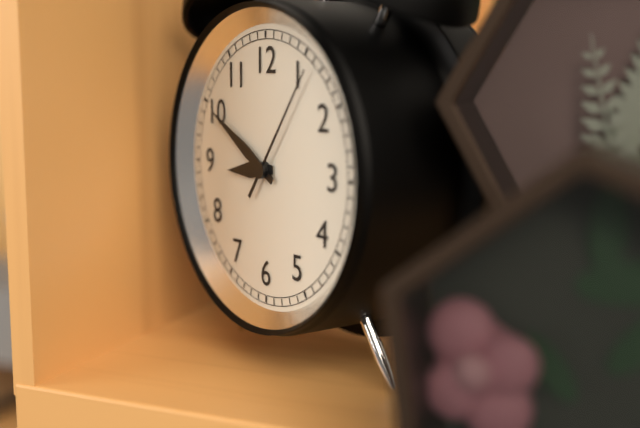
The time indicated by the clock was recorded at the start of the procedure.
8:50:06
